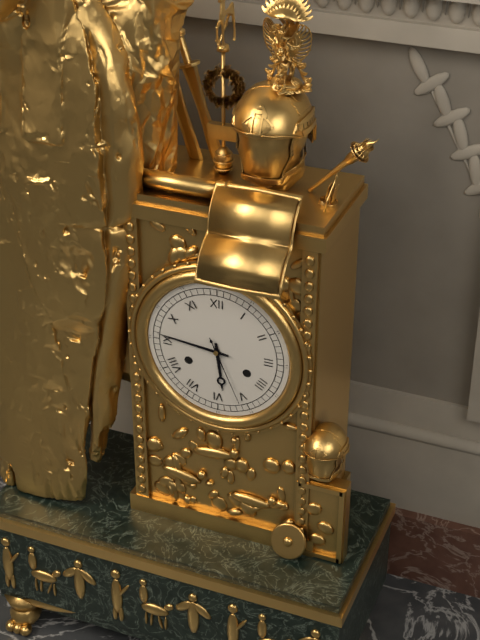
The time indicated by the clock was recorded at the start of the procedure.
5:46:26
